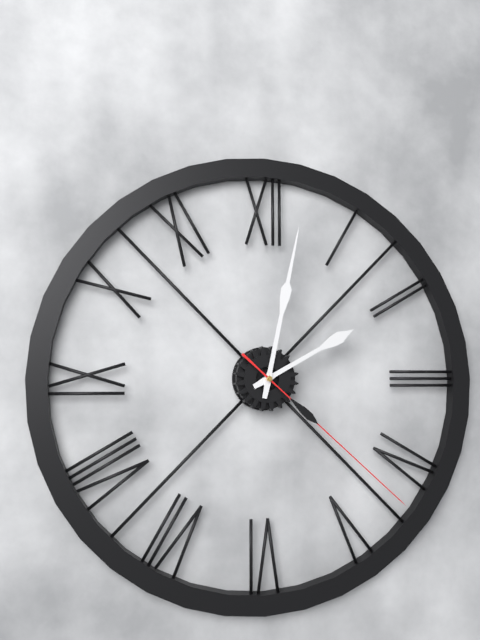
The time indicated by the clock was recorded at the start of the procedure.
2:02:22
